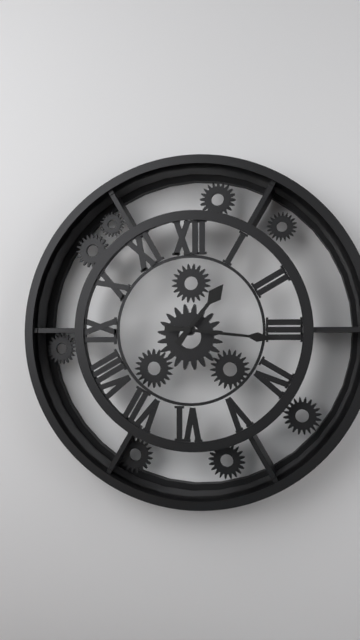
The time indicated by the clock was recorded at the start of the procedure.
1:16
